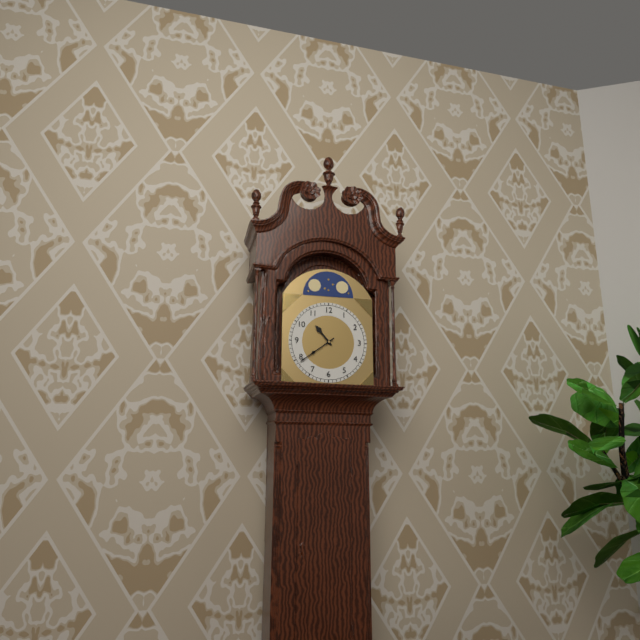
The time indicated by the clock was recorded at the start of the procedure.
10:39
